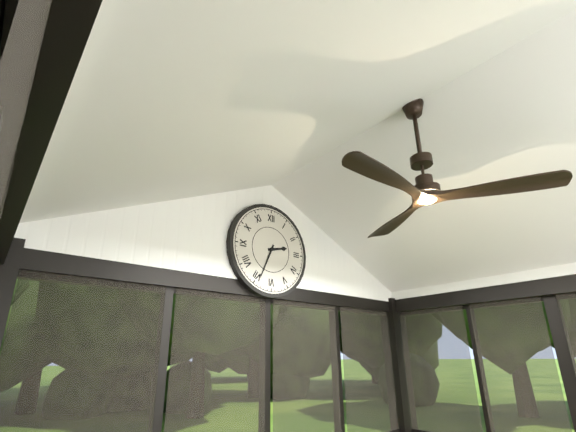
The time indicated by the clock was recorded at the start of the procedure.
2:34
